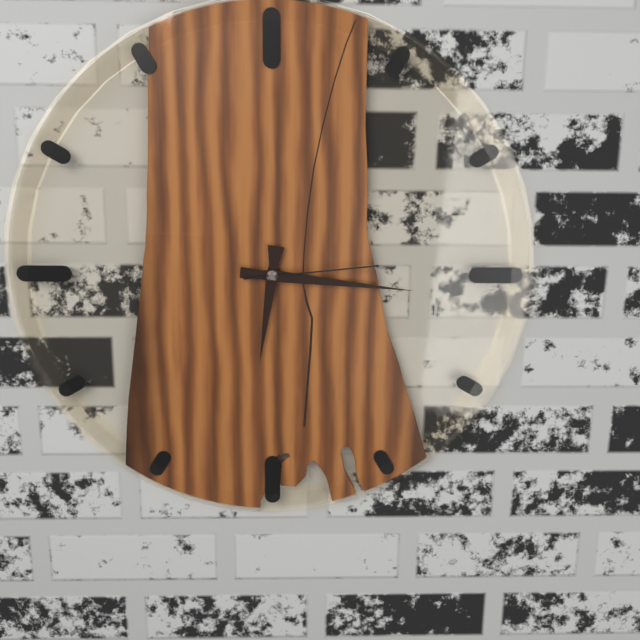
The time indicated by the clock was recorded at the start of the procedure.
6:16:14
